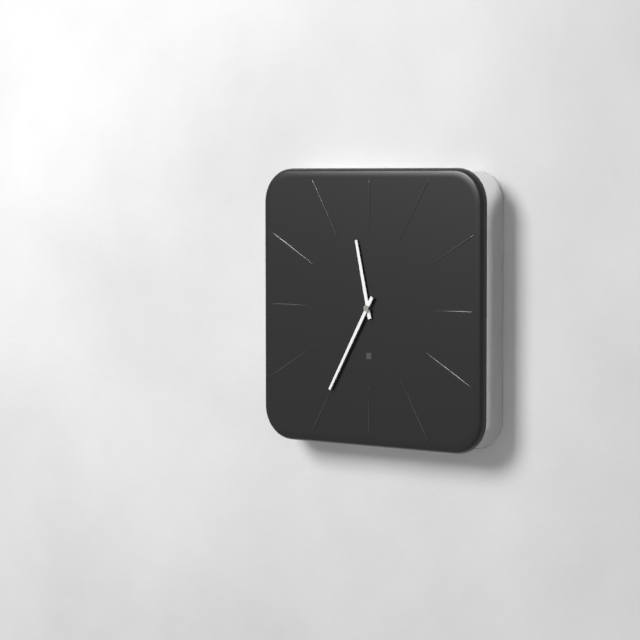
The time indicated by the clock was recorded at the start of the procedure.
11:35
